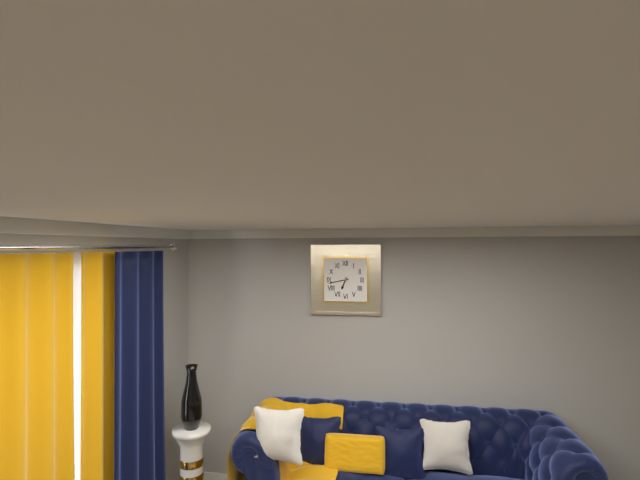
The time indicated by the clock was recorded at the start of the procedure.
6:43
